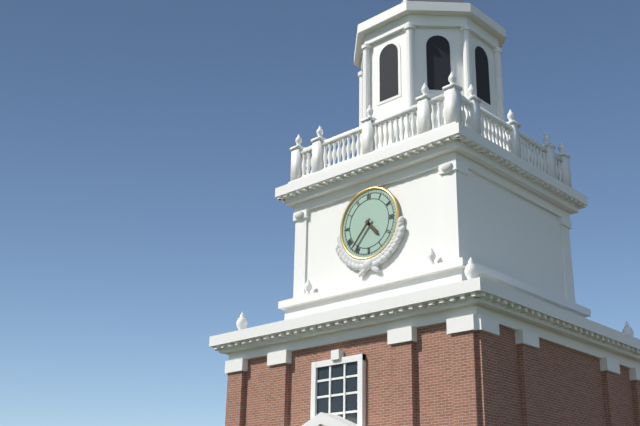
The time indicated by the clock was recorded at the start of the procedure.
4:37
